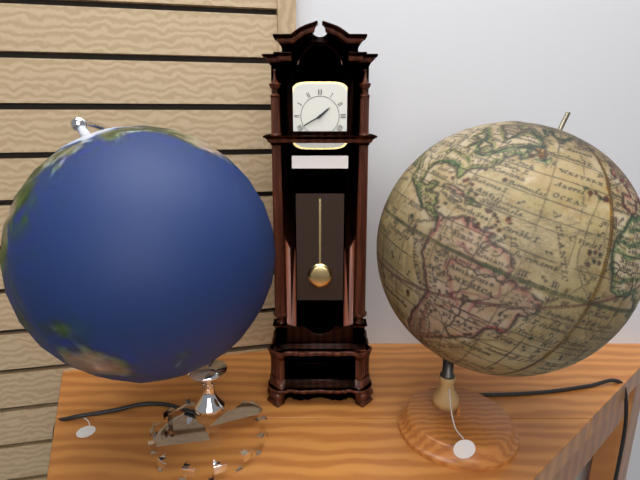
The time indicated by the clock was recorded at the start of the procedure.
1:40
